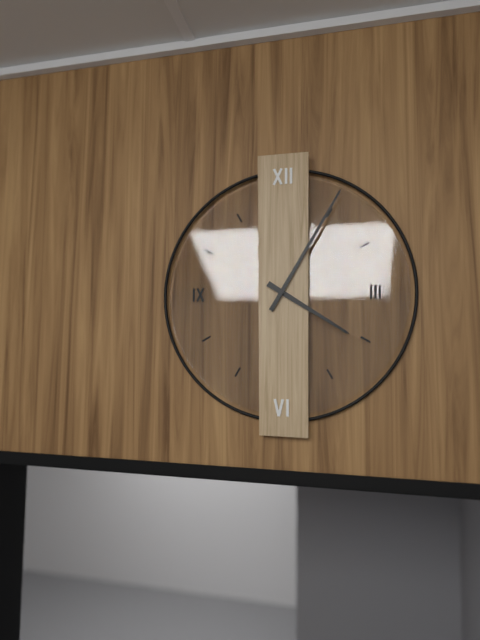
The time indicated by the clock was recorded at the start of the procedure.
4:05
